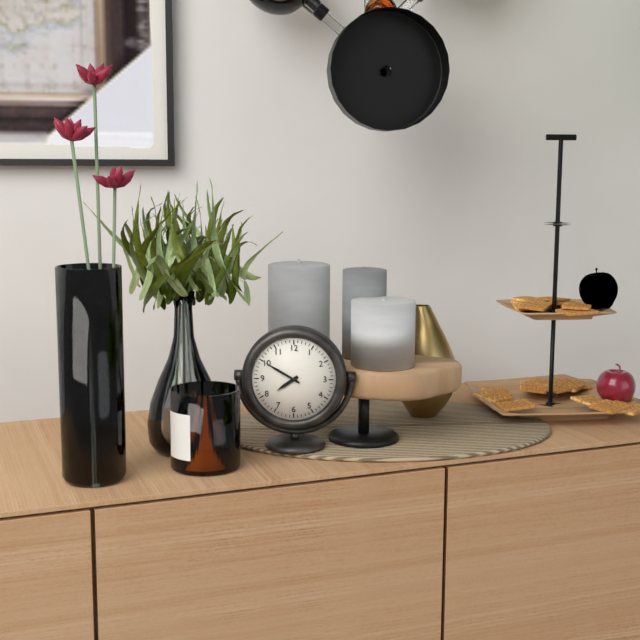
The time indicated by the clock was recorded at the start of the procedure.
7:50
